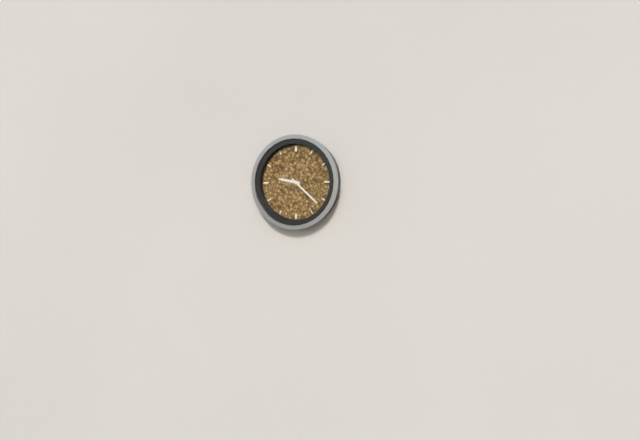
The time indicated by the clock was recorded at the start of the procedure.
9:22
